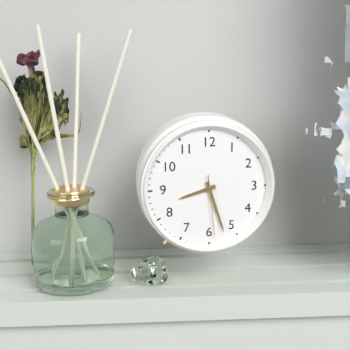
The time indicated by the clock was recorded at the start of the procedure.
8:27:29
